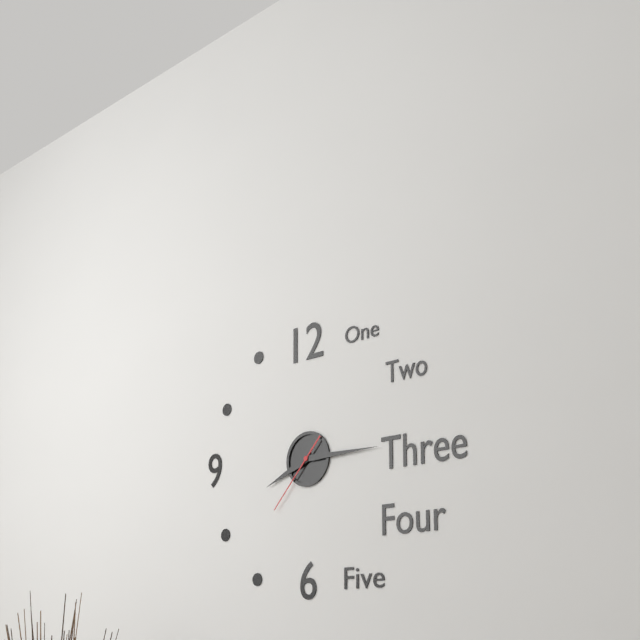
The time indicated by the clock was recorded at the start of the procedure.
8:15:37
